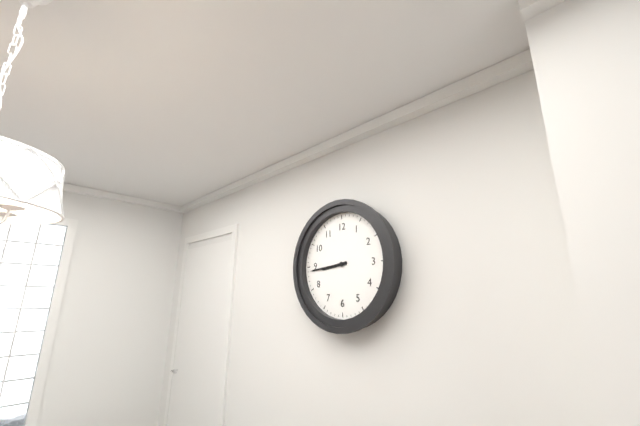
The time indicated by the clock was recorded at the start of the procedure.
8:44
